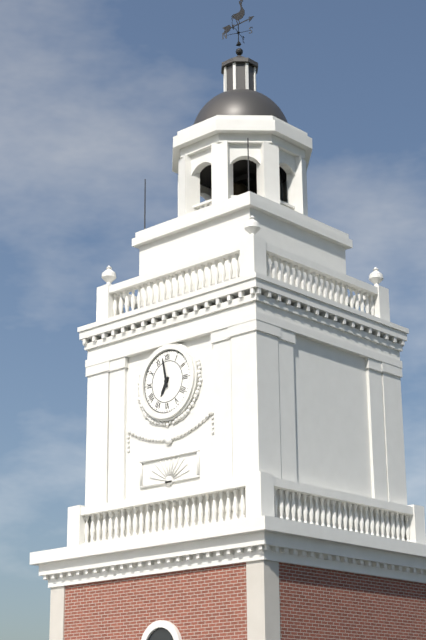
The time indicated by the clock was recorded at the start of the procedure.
6:58
